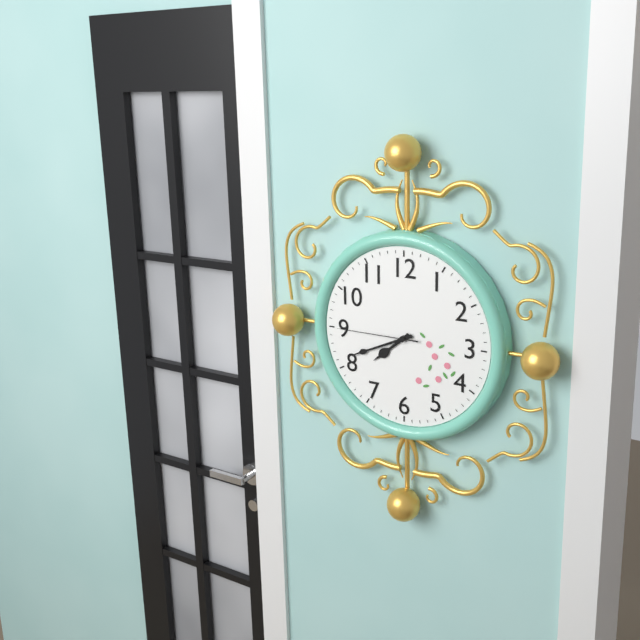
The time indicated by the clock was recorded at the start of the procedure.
7:41:45
